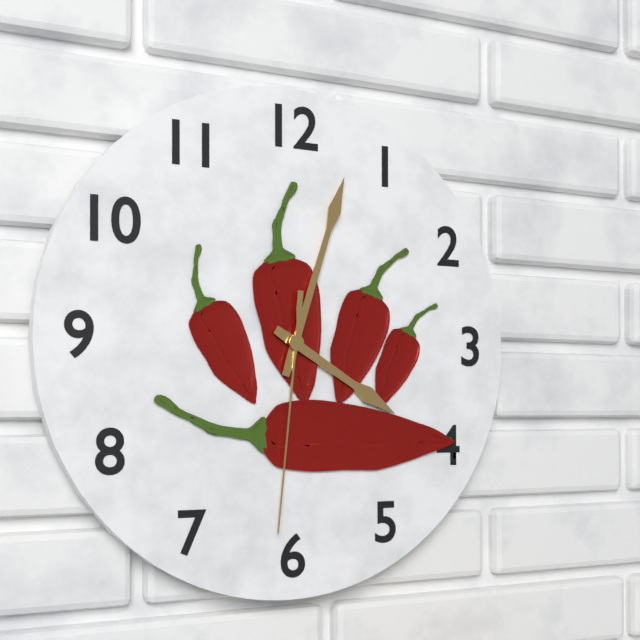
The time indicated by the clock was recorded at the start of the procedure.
4:03:31
